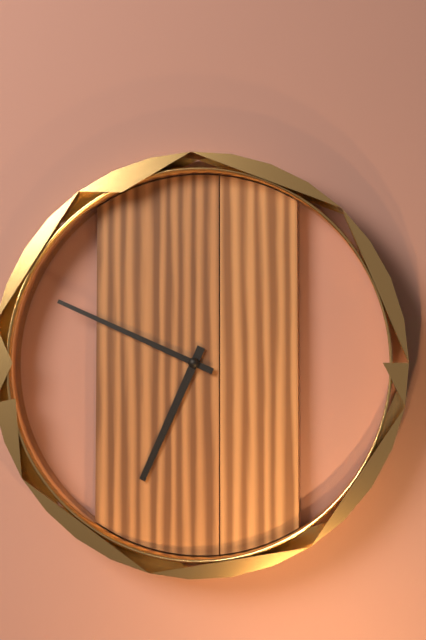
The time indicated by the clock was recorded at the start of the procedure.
6:49
